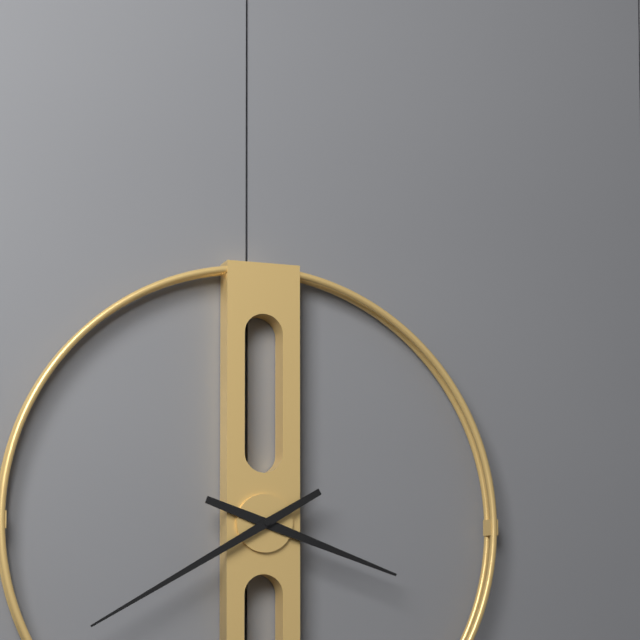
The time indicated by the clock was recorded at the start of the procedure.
3:40
